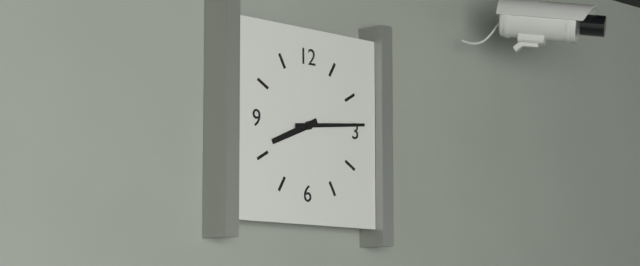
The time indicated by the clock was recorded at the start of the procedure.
8:14
